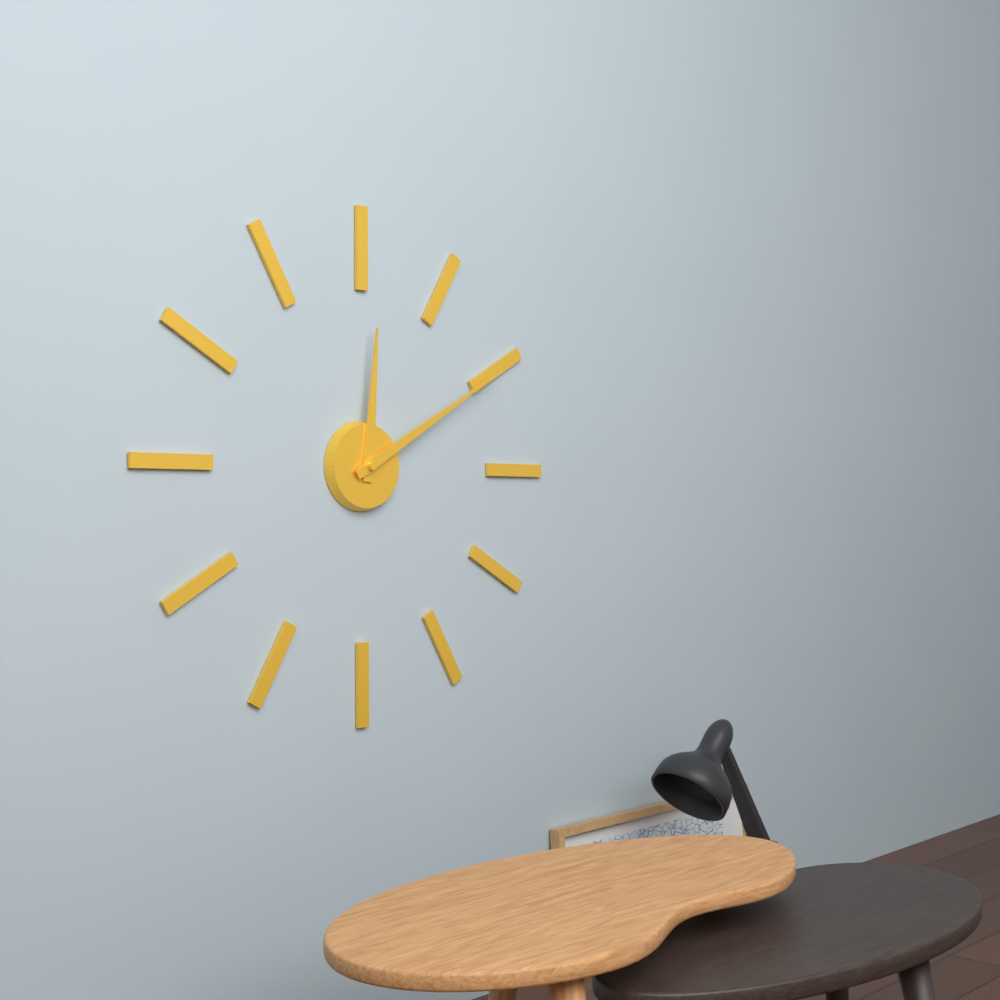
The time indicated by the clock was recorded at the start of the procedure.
12:10
